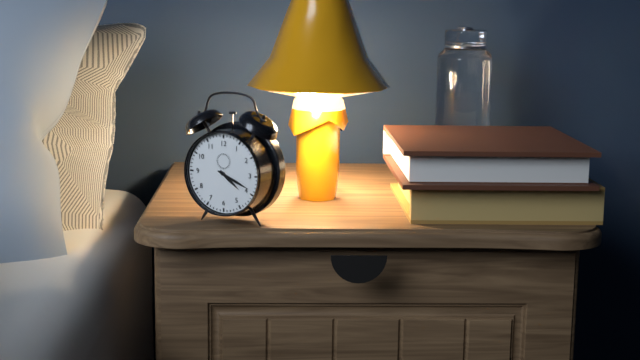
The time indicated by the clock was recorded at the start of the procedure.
4:19
